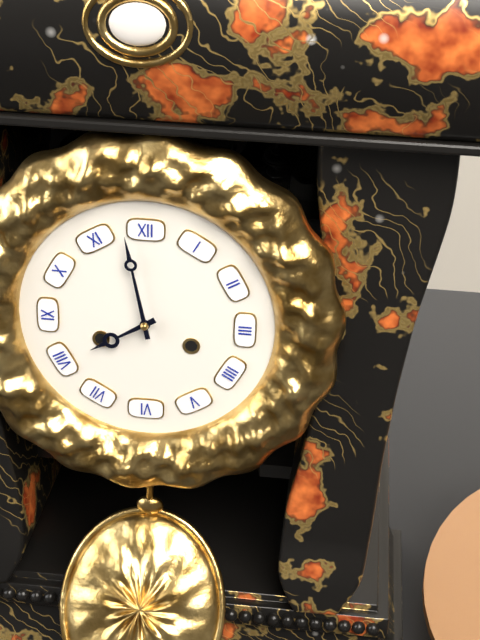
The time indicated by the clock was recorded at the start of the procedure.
7:58
